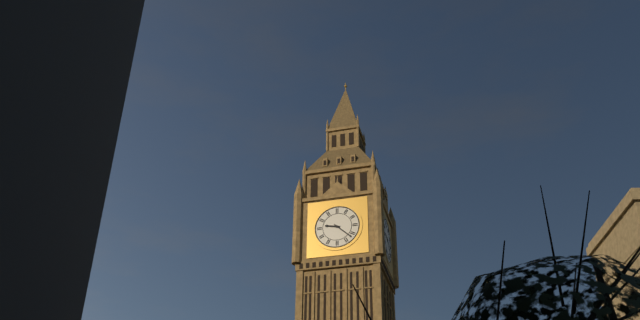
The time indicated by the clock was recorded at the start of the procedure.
9:22
